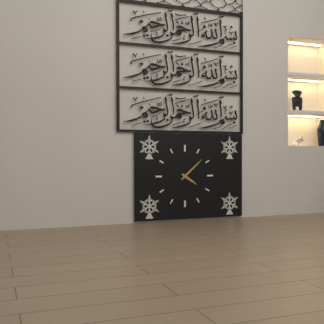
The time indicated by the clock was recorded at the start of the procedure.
4:08
